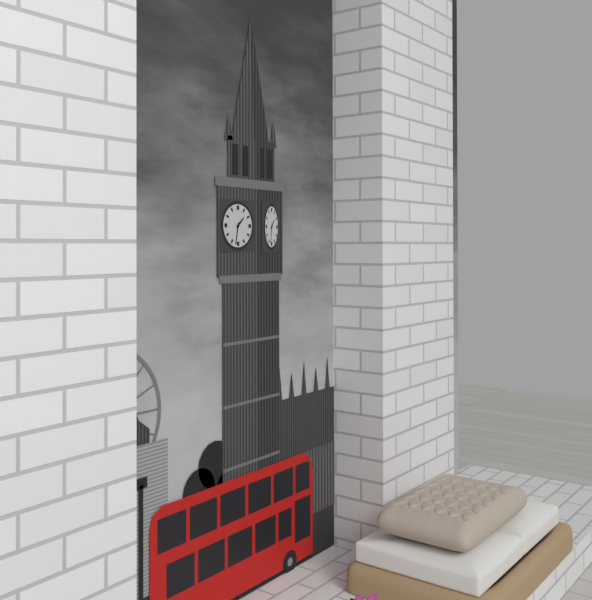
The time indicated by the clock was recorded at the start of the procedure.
1:32
